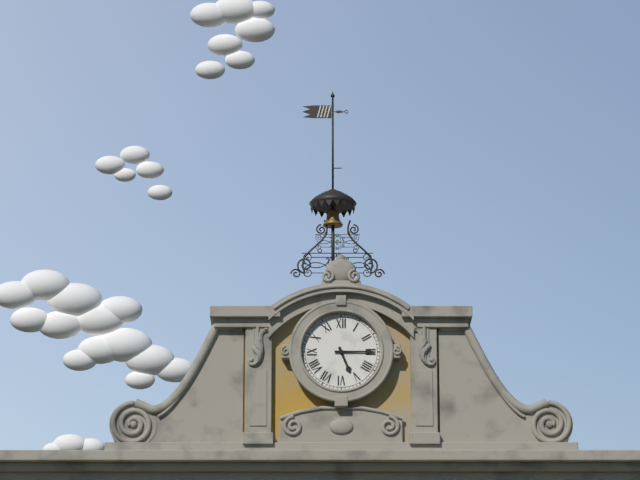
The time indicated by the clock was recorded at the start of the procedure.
5:15
